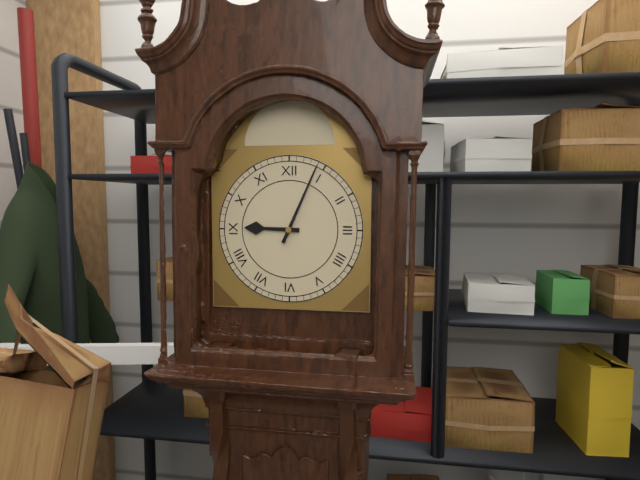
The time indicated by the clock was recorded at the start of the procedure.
9:04
